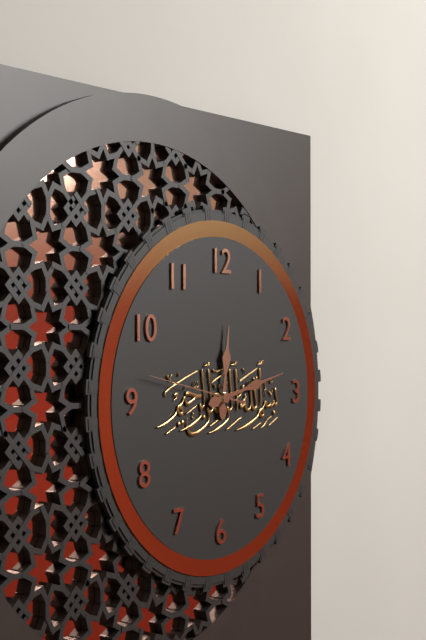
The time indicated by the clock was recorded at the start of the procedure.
12:13:47
